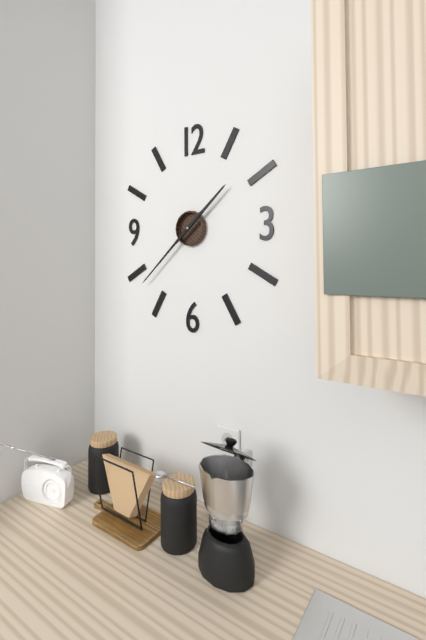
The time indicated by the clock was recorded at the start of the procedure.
1:38
